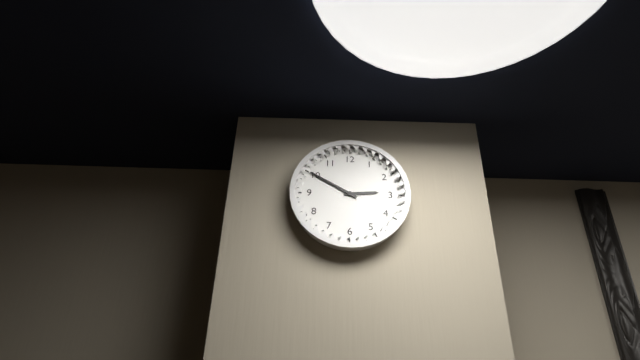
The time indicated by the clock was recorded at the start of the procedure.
2:50
